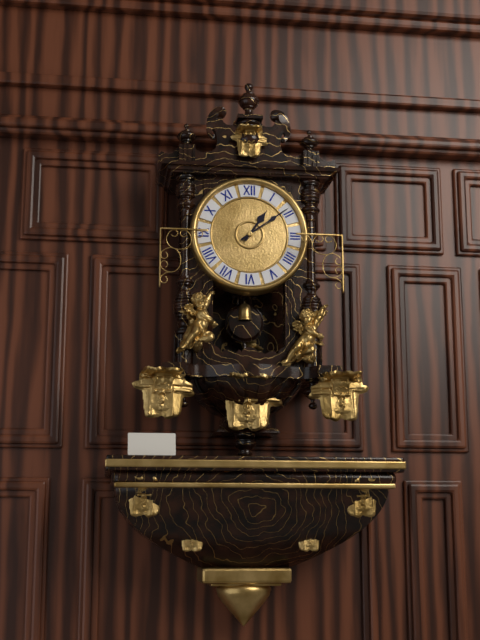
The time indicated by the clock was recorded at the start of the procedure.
1:09
